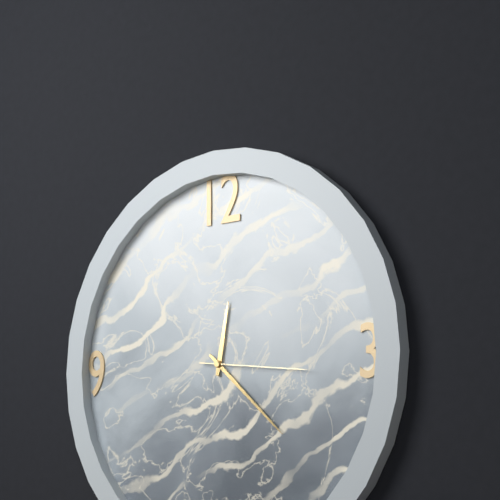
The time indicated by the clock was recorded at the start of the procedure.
12:22:16
